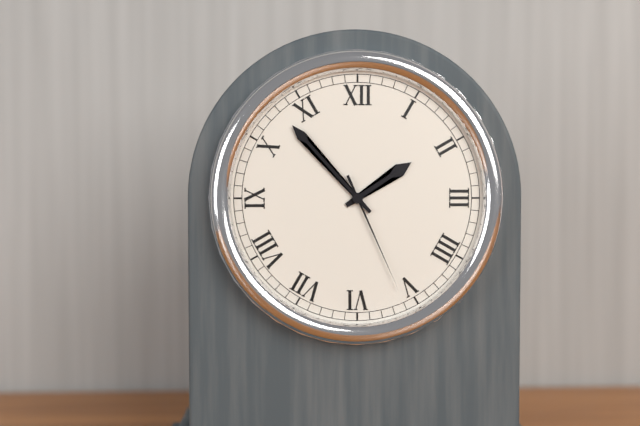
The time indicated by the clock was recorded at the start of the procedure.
1:53:26
